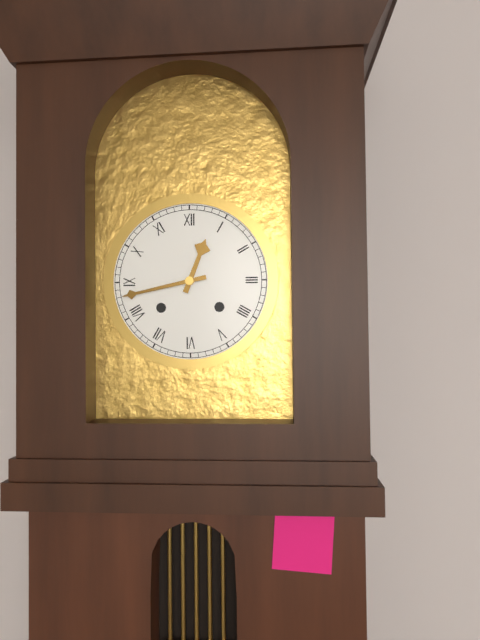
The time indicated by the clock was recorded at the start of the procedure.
12:43
